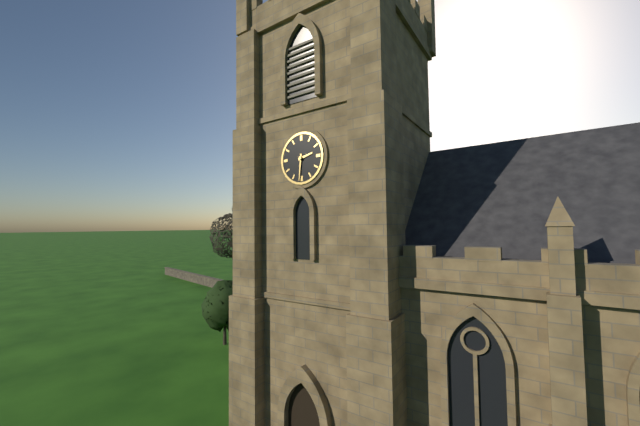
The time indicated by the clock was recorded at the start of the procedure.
2:31
